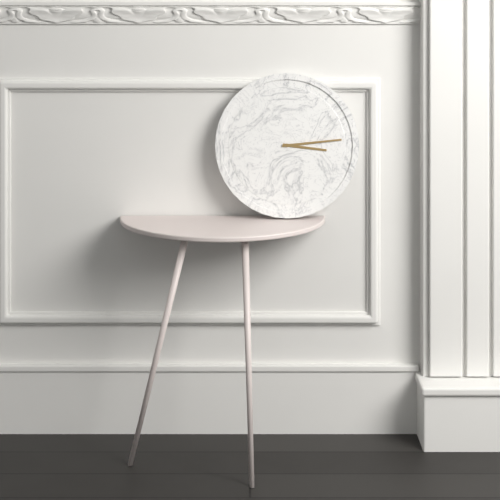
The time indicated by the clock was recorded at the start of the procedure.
3:14
